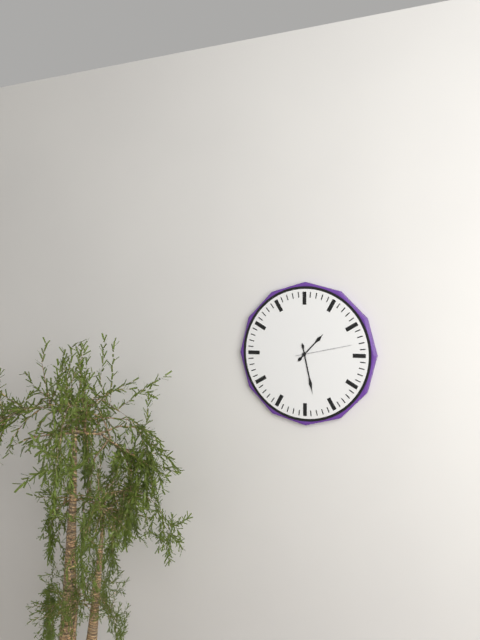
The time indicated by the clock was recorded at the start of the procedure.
1:28:13
